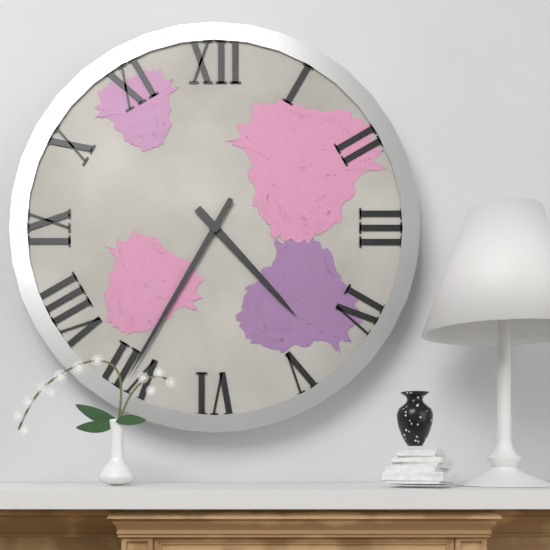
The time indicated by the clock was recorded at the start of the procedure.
4:35
